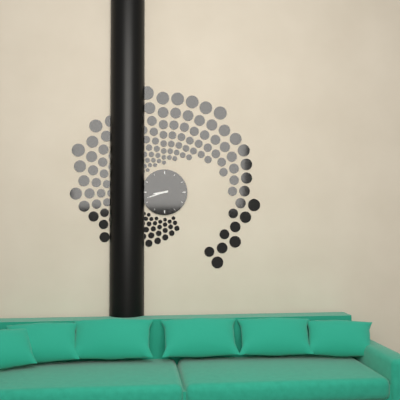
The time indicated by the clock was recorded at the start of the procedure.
8:42
